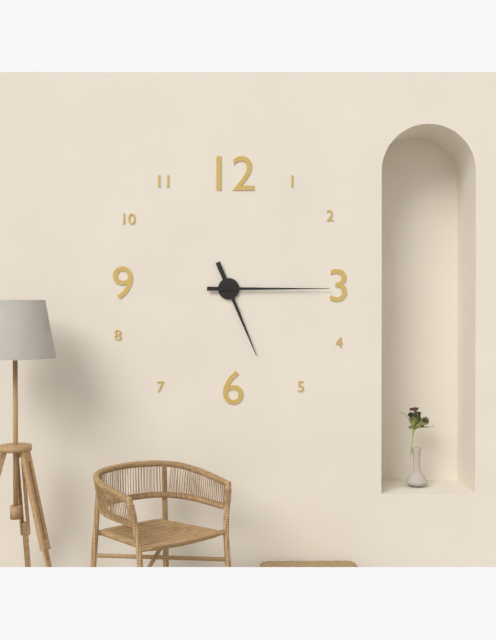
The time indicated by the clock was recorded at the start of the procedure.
5:15
